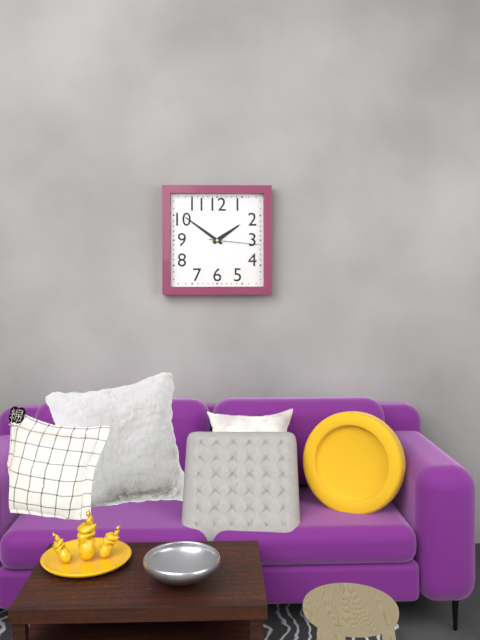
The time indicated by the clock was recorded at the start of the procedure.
1:51:16
